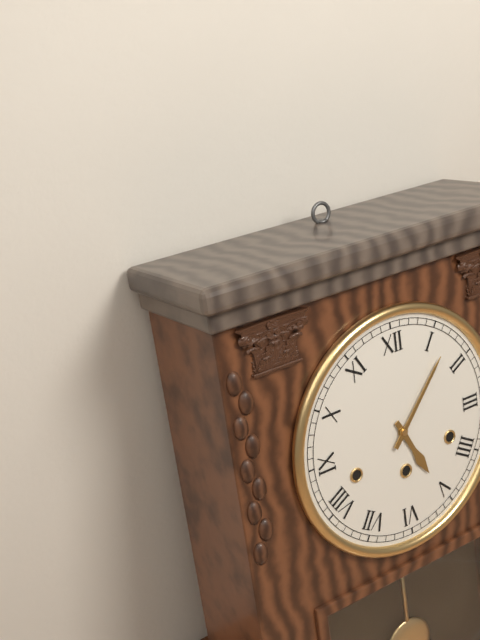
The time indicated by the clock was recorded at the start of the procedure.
5:07
